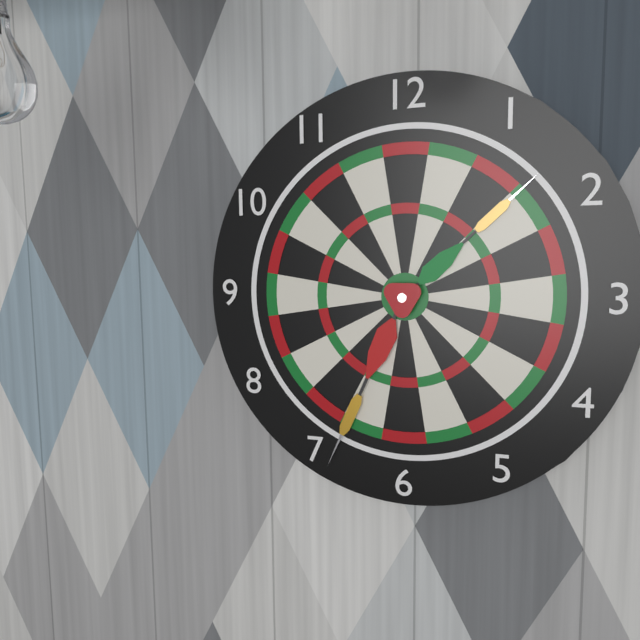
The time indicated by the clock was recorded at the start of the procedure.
1:34
